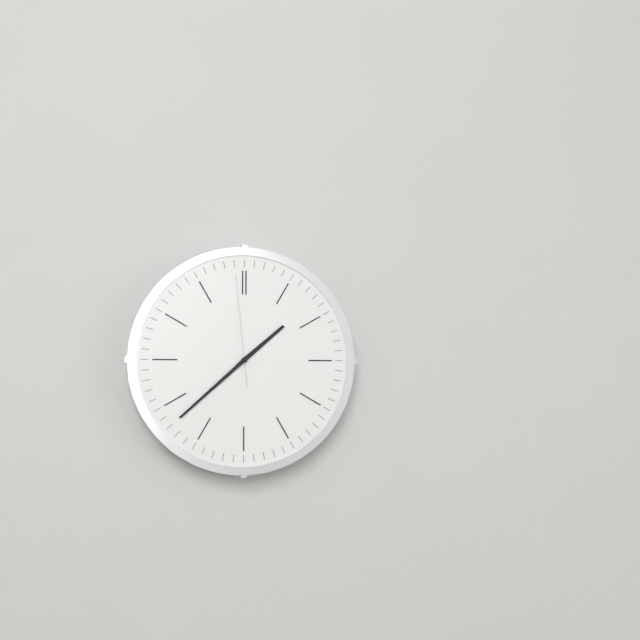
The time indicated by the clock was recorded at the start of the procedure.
1:38:59
